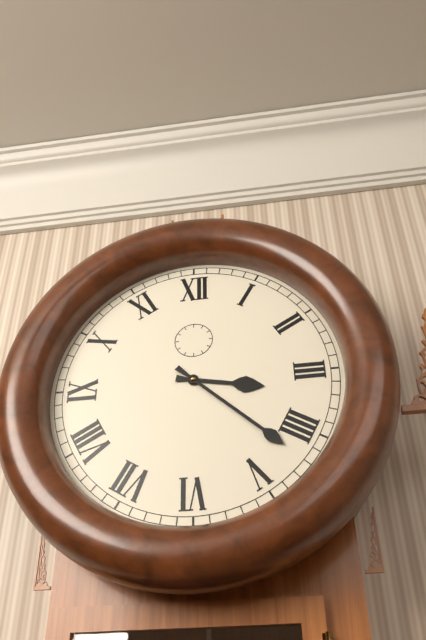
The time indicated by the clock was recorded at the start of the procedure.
3:22
